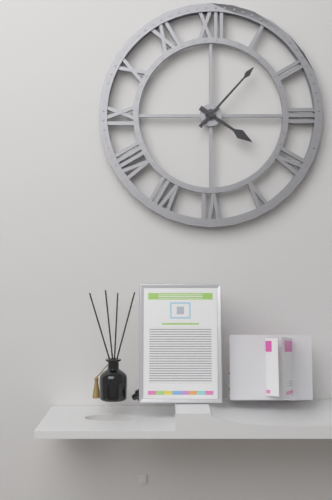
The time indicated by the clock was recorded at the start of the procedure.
4:07
